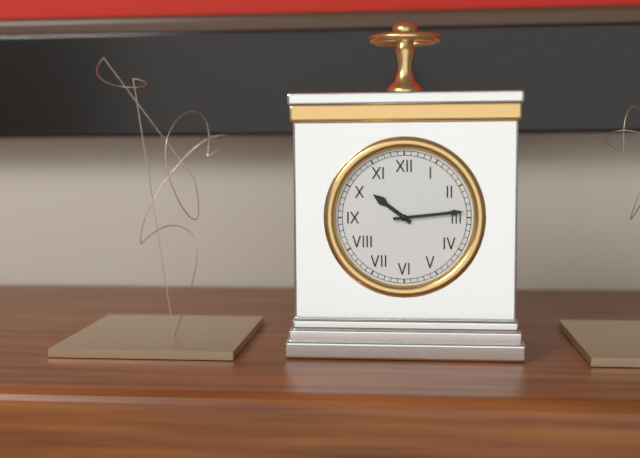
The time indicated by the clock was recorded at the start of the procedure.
10:14
